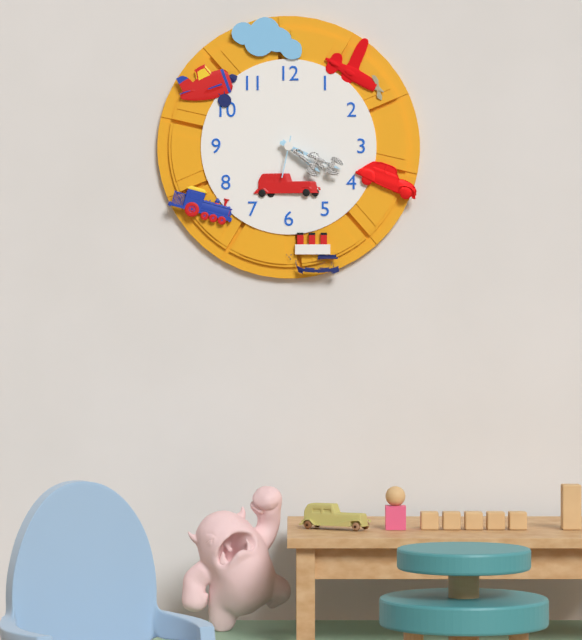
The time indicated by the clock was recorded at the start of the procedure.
4:19
